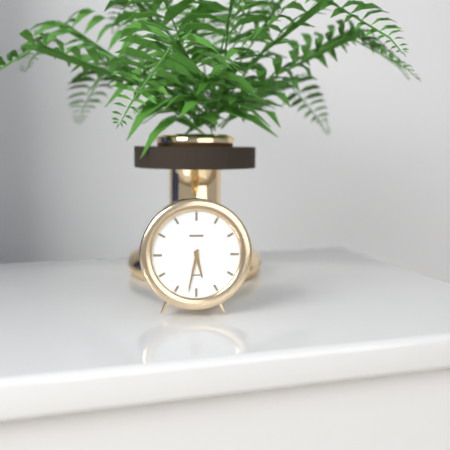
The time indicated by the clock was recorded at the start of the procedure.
5:32
